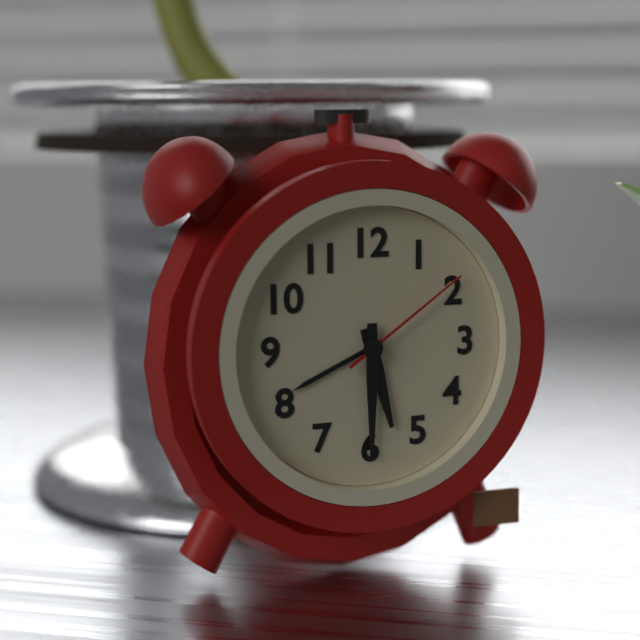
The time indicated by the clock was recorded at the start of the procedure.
5:30:09
